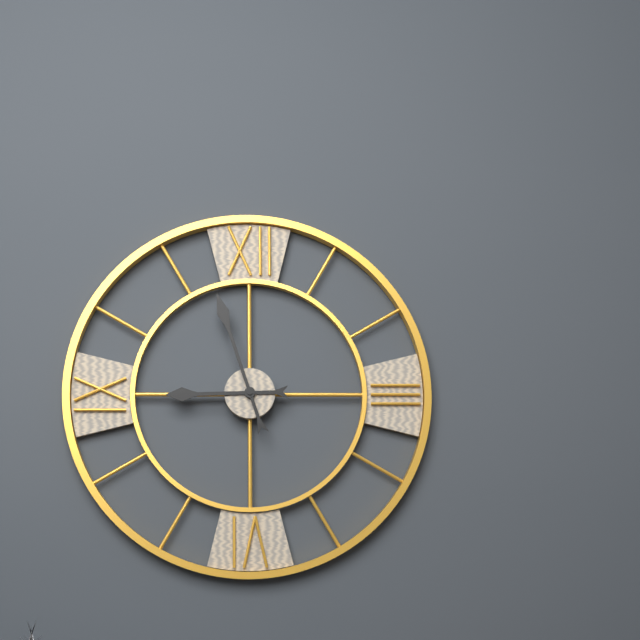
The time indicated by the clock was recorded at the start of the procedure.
8:57
